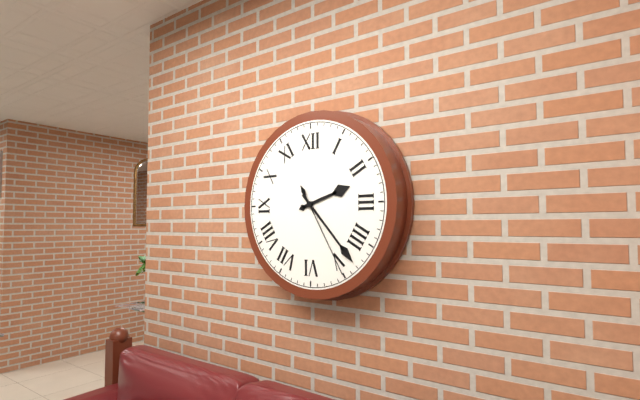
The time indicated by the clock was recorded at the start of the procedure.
2:23:25
